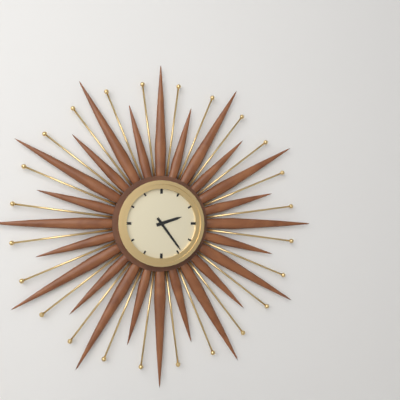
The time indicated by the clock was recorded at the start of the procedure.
2:24
